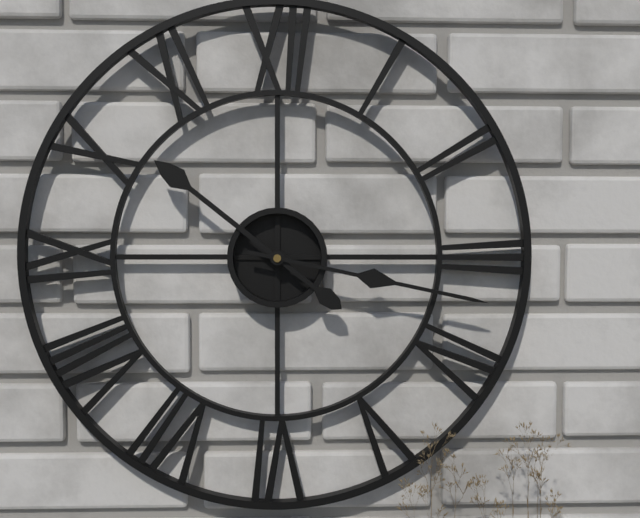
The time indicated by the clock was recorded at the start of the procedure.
10:17
